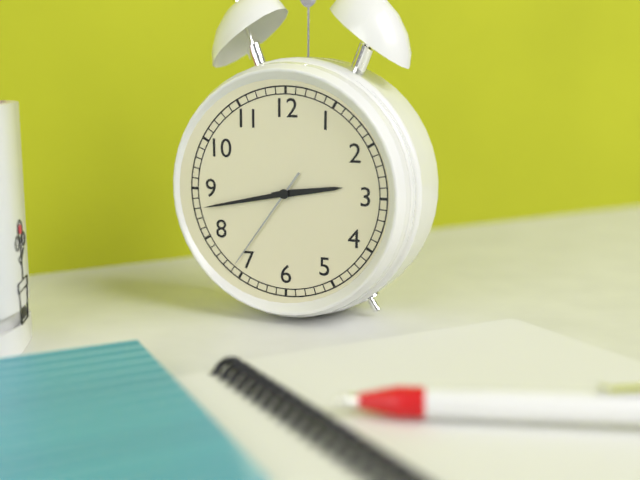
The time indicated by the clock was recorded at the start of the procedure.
2:43:36
